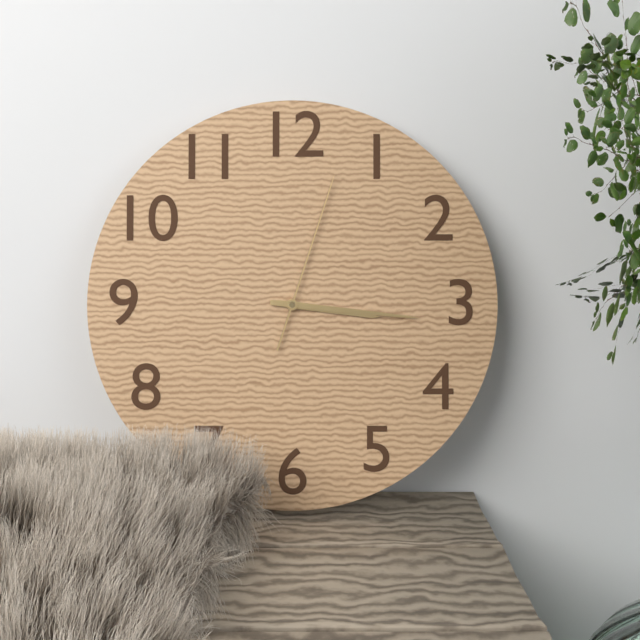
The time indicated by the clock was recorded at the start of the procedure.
3:16:03
